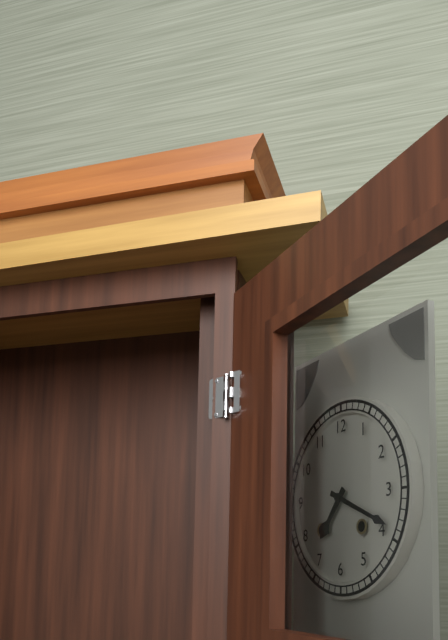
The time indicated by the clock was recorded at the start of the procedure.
7:19
